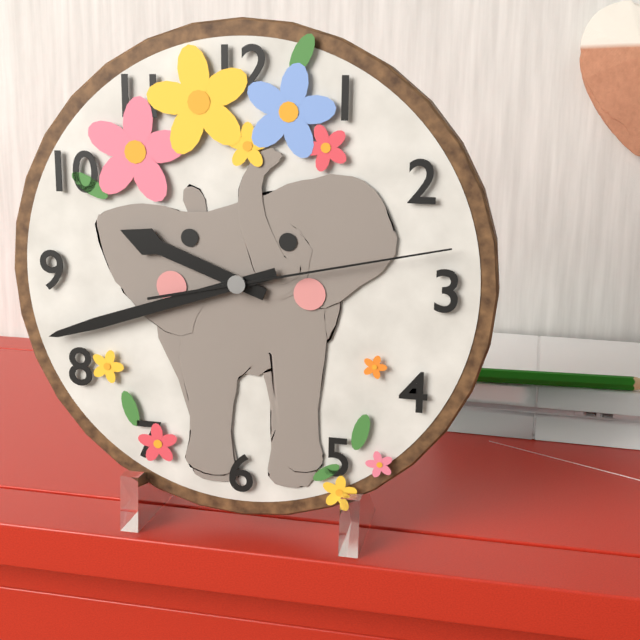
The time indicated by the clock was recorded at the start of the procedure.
9:42:13
